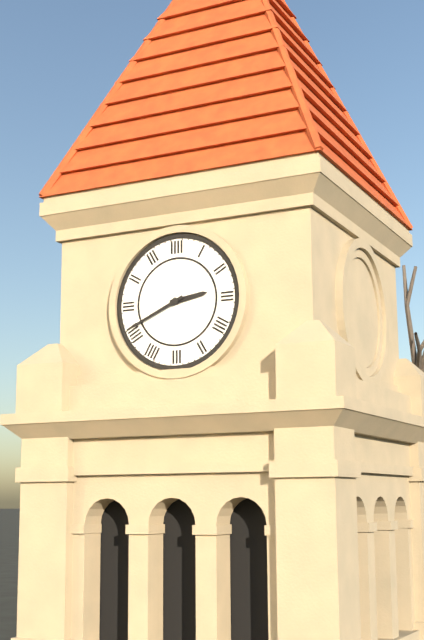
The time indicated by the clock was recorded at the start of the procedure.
2:41
